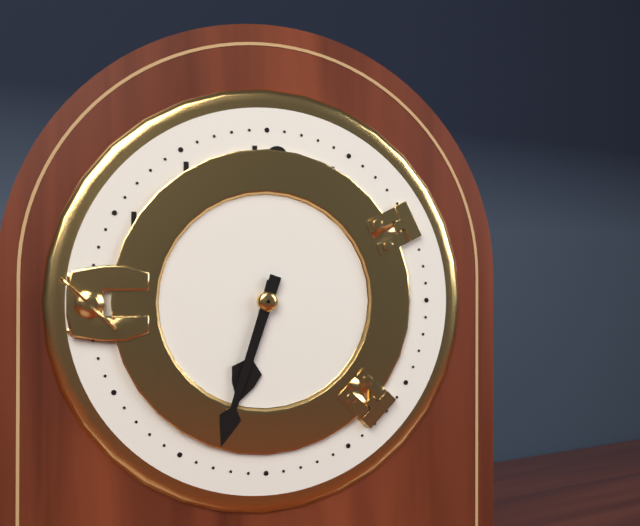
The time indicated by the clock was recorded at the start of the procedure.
6:33
